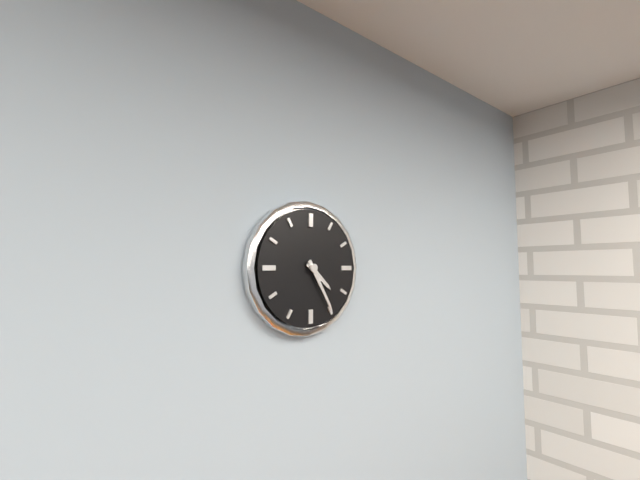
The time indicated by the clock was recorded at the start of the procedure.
4:25
